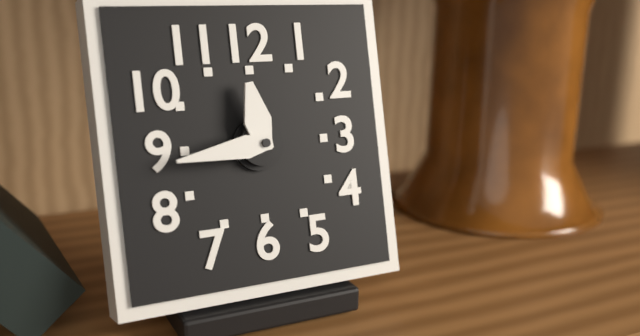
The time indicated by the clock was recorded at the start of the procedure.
11:44
